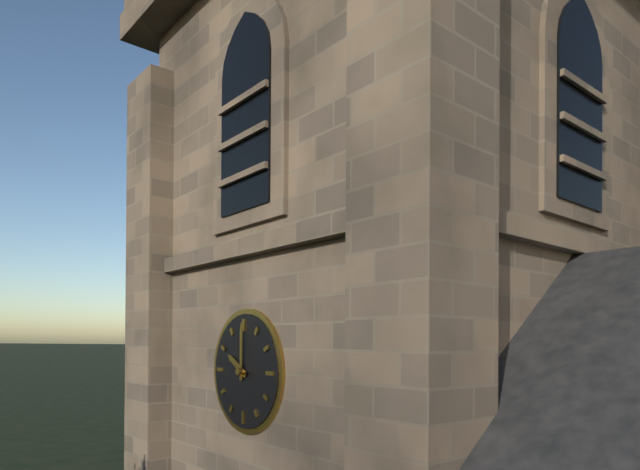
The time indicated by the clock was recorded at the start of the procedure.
10:00
